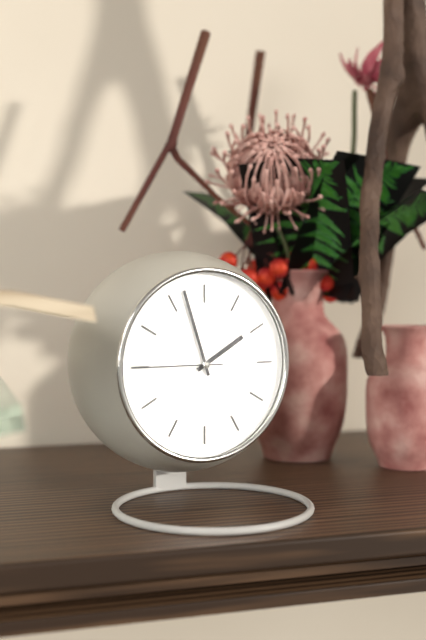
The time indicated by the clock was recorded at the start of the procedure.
1:57:45
